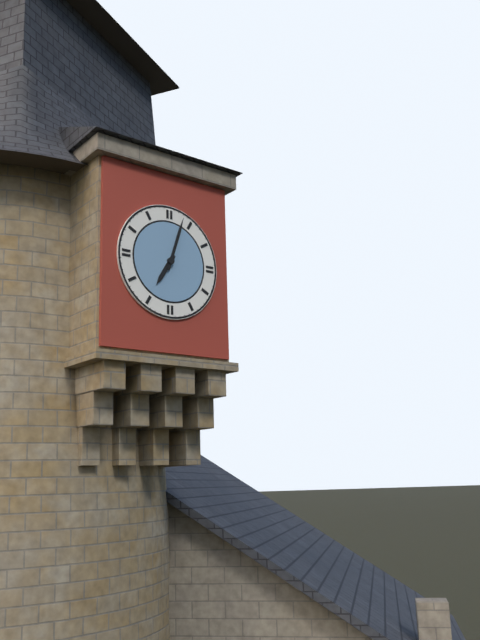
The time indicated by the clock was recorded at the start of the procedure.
7:03
